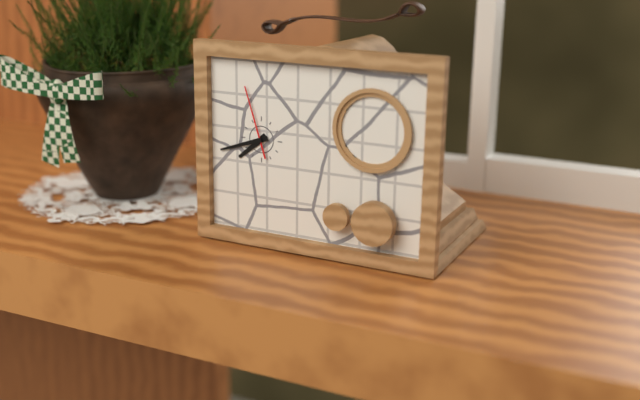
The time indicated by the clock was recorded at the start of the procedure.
7:42:57
